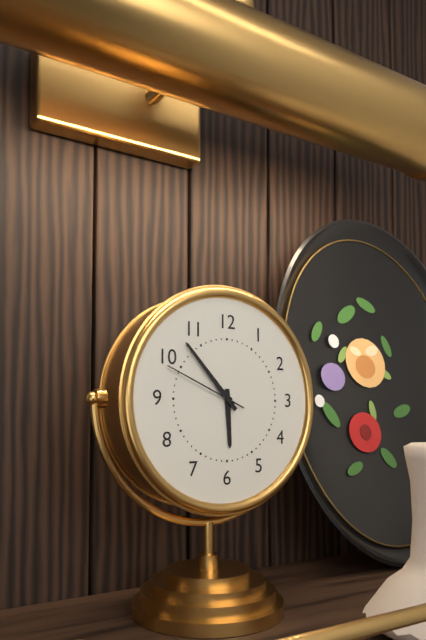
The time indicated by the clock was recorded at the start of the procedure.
5:53:49
